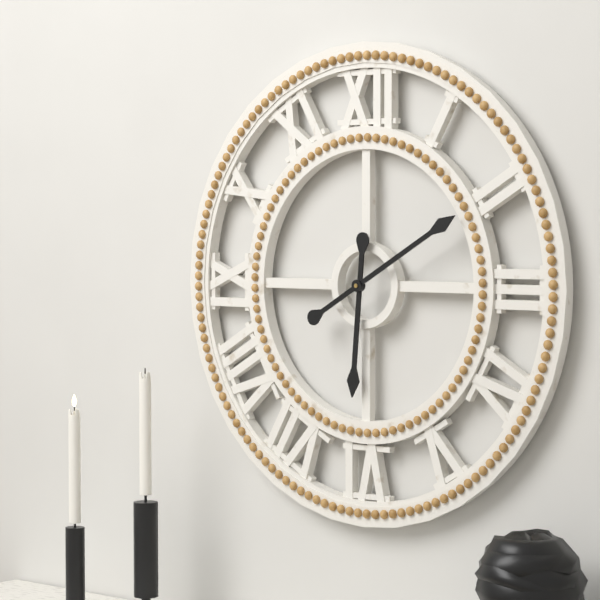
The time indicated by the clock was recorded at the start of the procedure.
6:10
